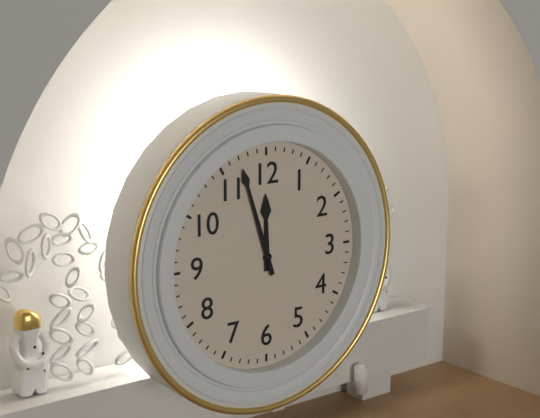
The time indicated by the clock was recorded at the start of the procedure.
11:57
